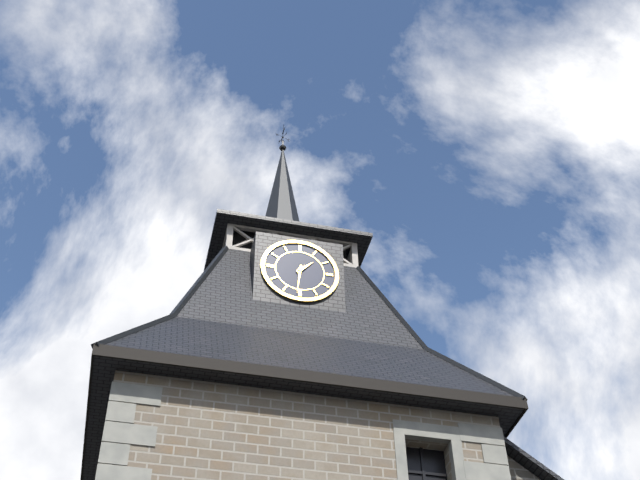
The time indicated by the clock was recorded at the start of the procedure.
1:31
